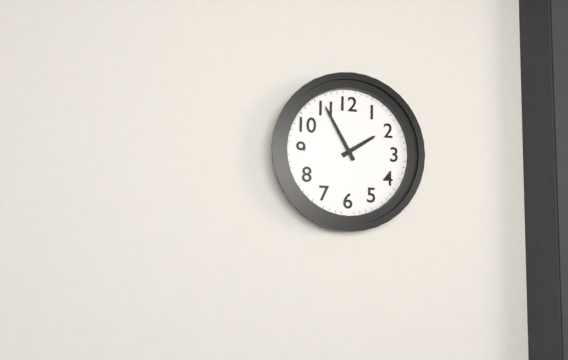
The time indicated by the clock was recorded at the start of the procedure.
1:55
